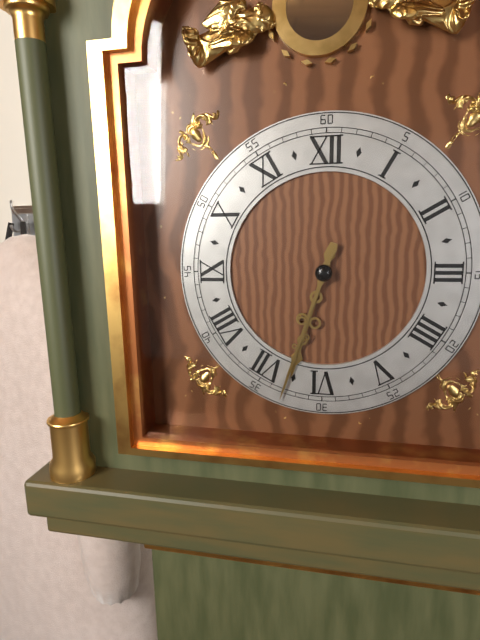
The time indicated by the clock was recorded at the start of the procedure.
6:33
